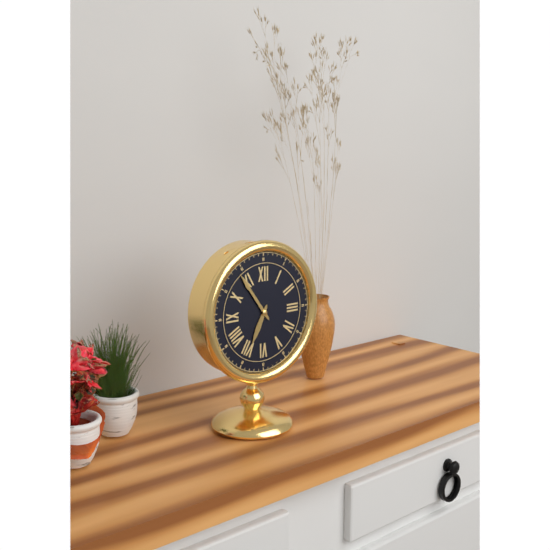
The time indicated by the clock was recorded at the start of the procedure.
6:54
